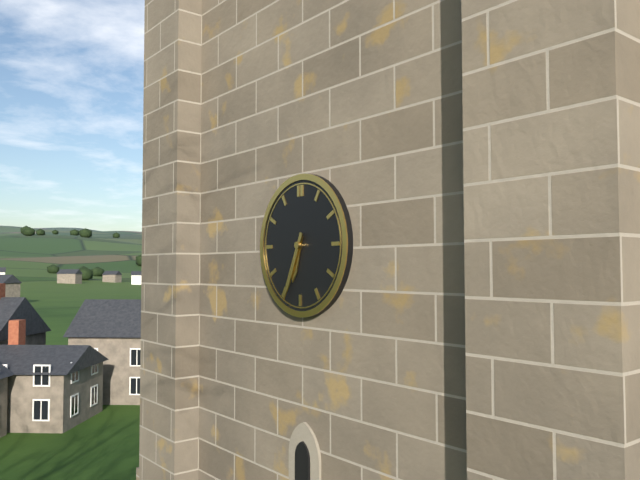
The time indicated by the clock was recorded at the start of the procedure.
6:34
